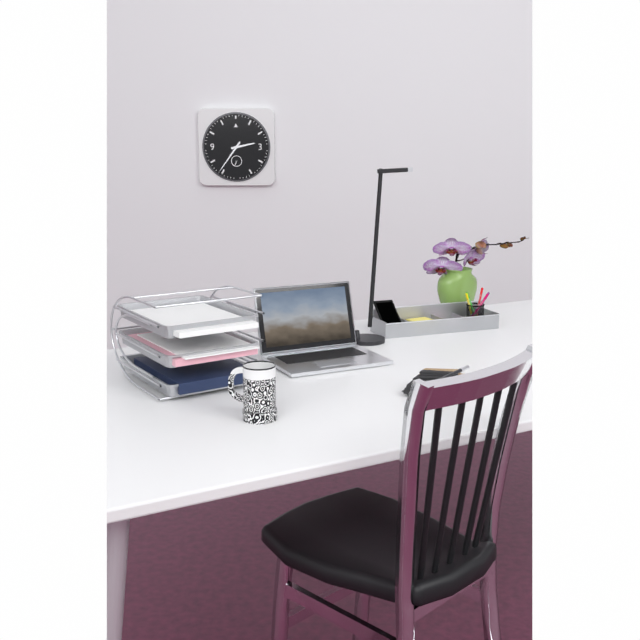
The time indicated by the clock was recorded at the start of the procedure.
2:36
